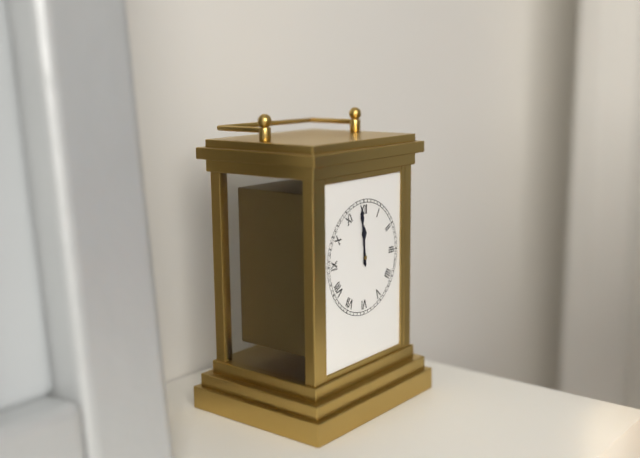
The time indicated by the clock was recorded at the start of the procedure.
11:59
